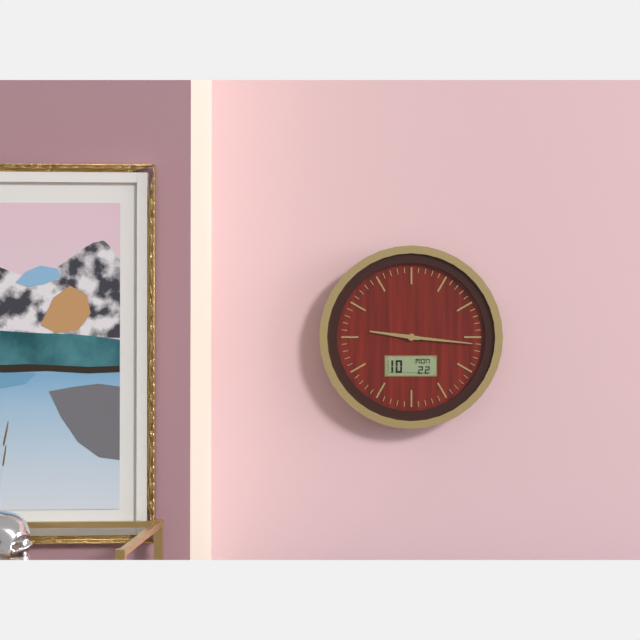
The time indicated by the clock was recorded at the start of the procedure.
9:16
